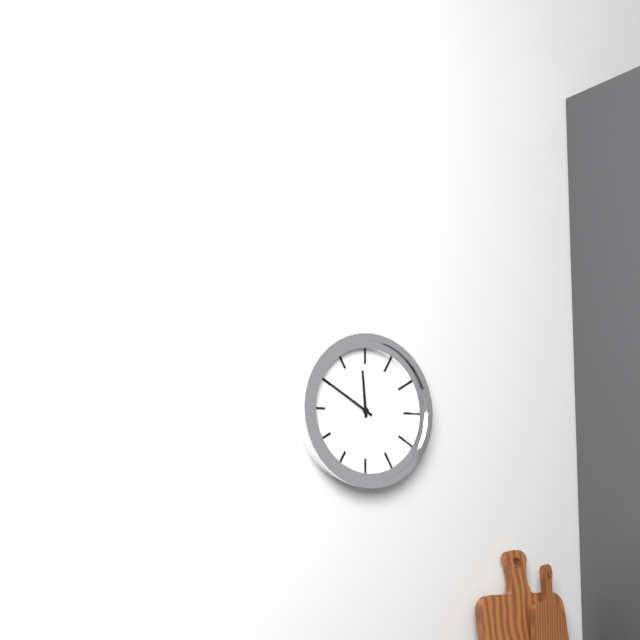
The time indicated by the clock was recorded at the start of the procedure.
11:50
